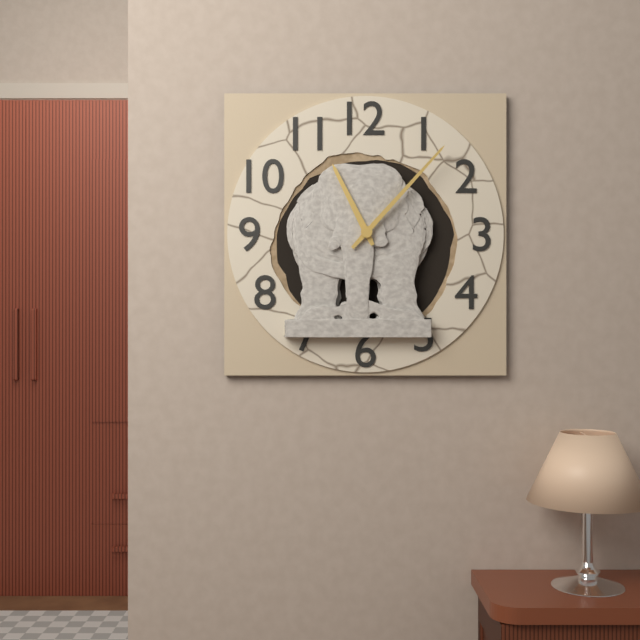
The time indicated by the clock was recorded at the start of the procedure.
11:07
